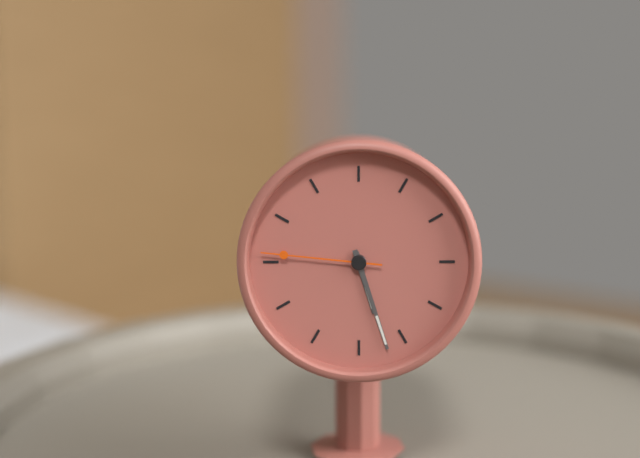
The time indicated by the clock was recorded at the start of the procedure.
5:27:46
